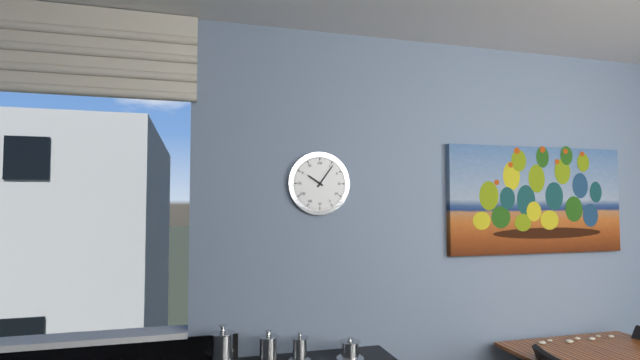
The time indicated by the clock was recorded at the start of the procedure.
10:06
